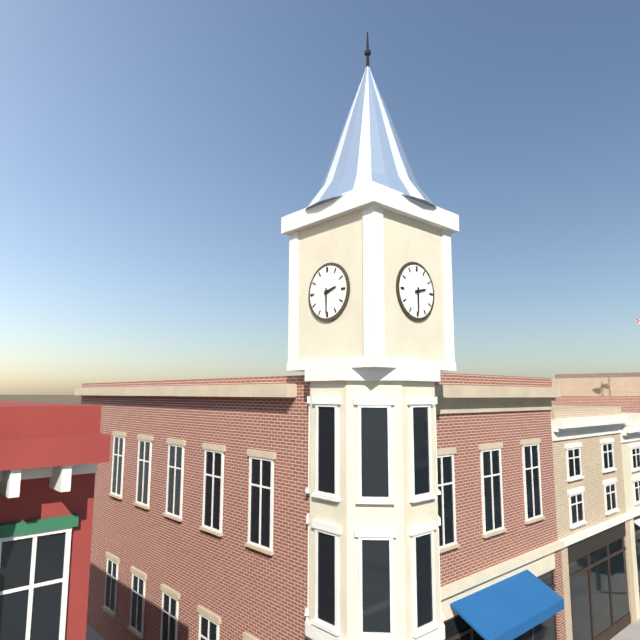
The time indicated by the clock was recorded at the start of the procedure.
2:30
